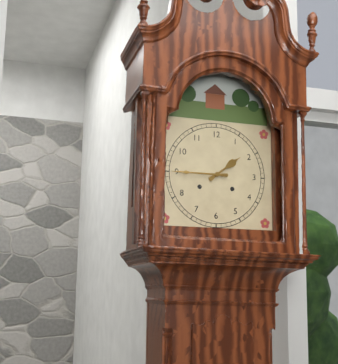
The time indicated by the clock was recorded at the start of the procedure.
1:45
